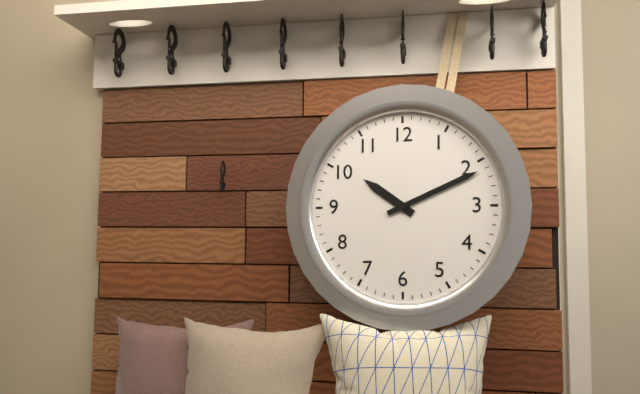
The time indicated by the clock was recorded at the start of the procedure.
10:11
